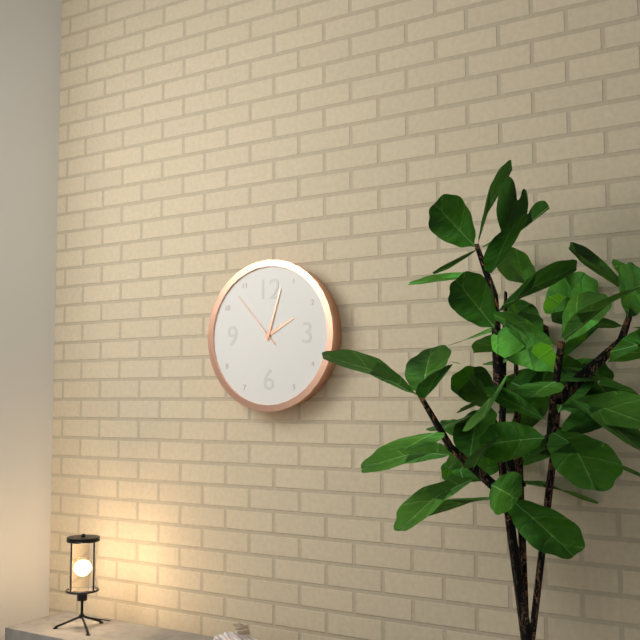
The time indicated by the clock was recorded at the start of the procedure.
2:03:53
